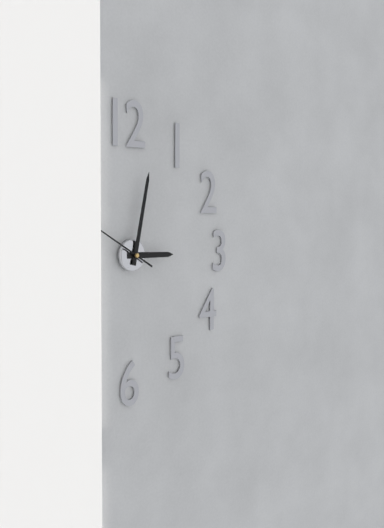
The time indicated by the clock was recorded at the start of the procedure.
3:02
